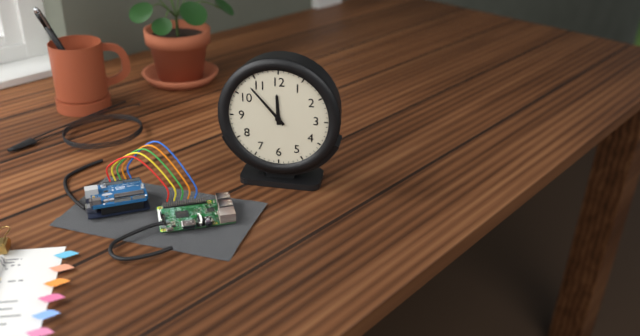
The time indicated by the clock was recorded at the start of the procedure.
11:53
